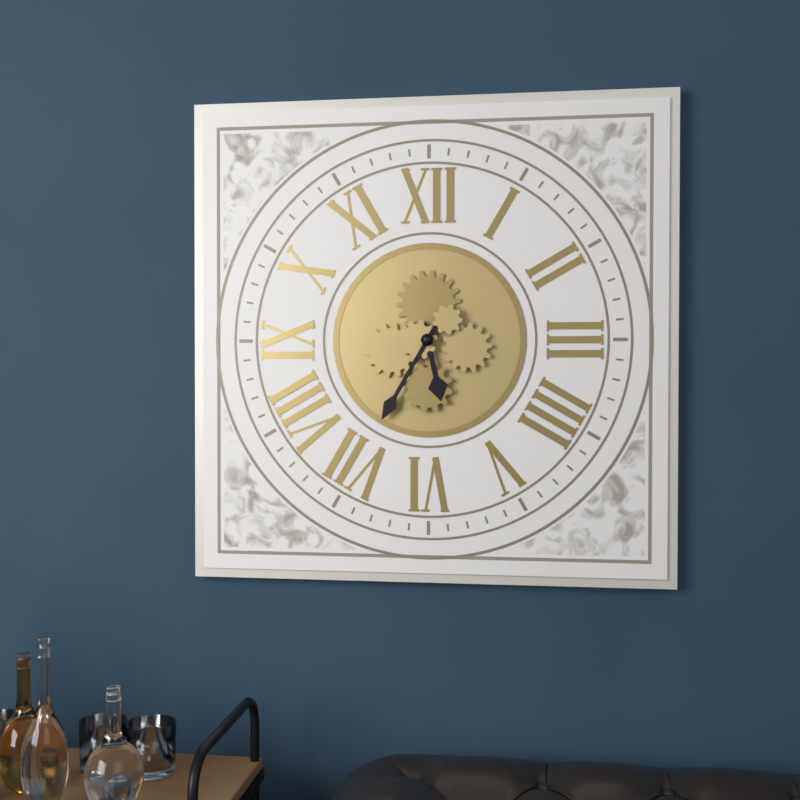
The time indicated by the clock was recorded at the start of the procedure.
5:35
